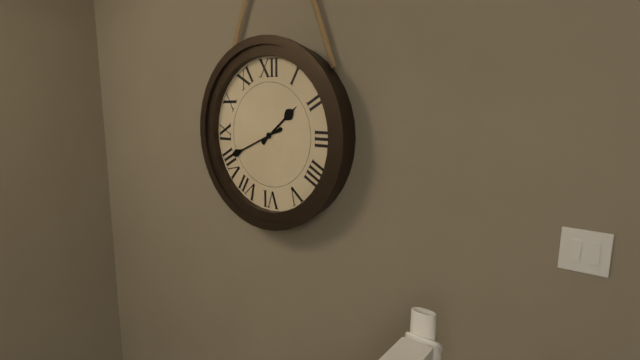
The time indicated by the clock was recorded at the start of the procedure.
1:41
